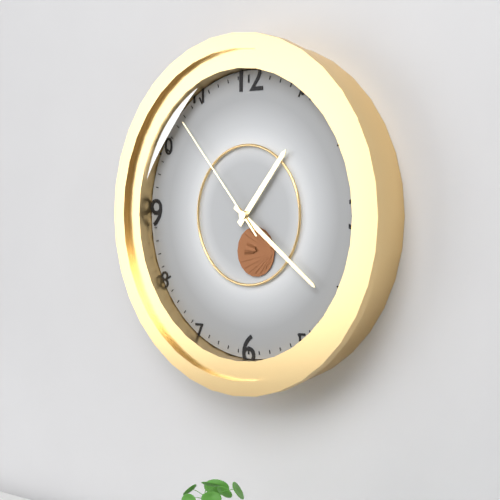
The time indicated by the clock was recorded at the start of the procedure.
1:21:53
